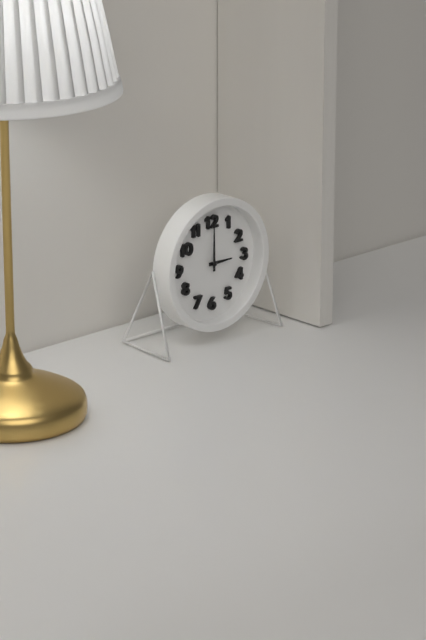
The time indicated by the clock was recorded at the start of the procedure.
3:00
